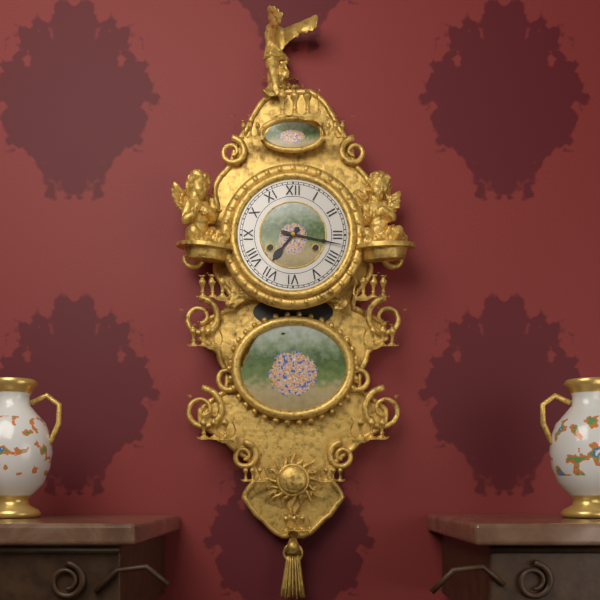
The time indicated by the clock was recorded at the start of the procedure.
7:17
